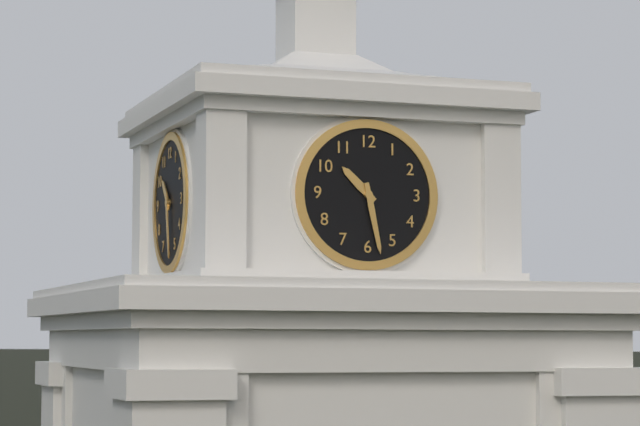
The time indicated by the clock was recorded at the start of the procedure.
10:28
